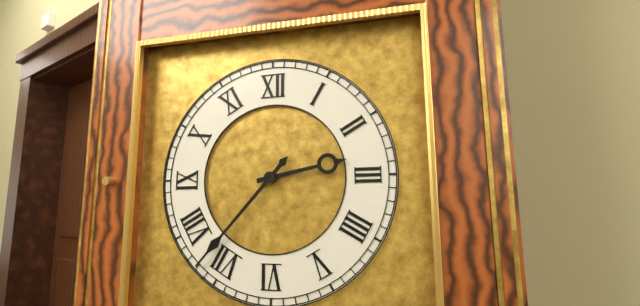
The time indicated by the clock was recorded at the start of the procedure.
2:37
